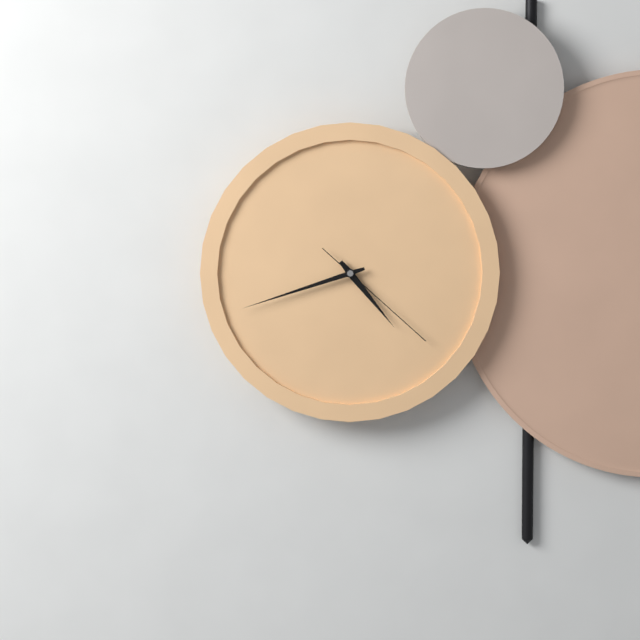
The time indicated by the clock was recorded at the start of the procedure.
4:42:22
